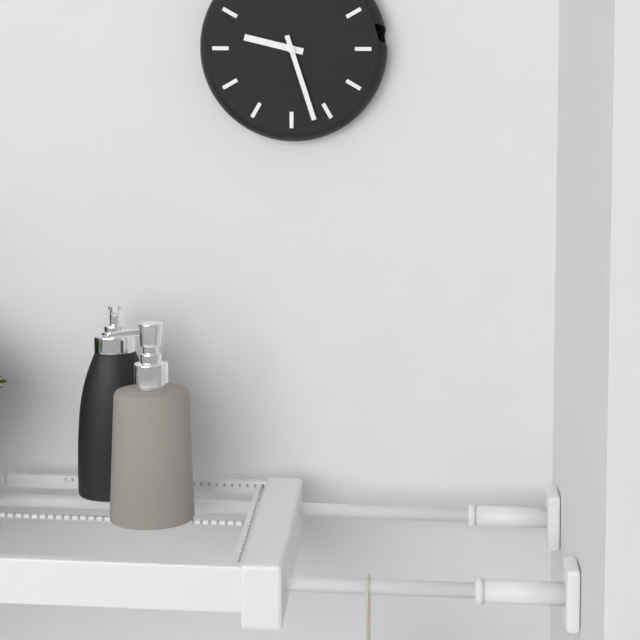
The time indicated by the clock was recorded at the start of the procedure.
9:27
